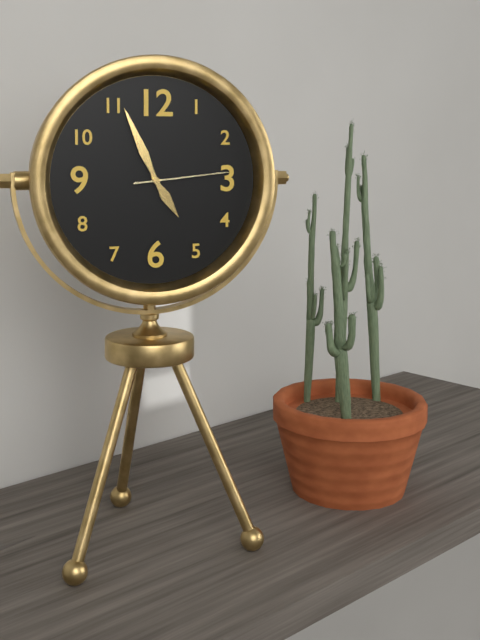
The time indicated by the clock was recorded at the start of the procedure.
4:56:14
